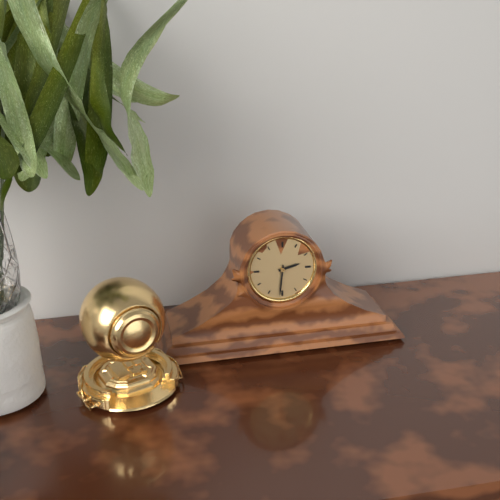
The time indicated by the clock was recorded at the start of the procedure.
2:31
